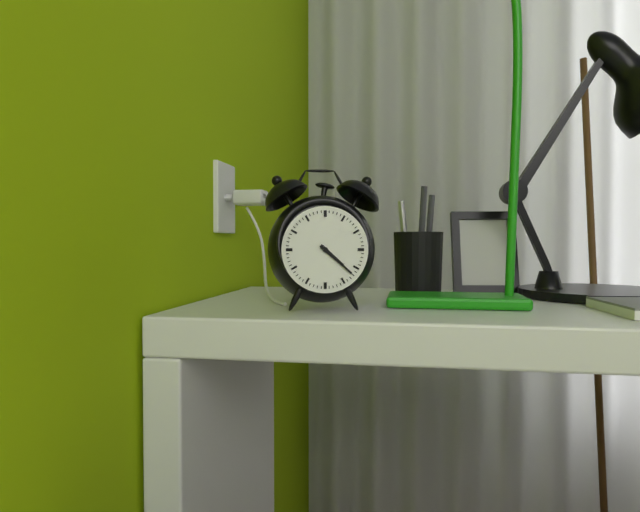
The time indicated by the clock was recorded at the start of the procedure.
4:22
